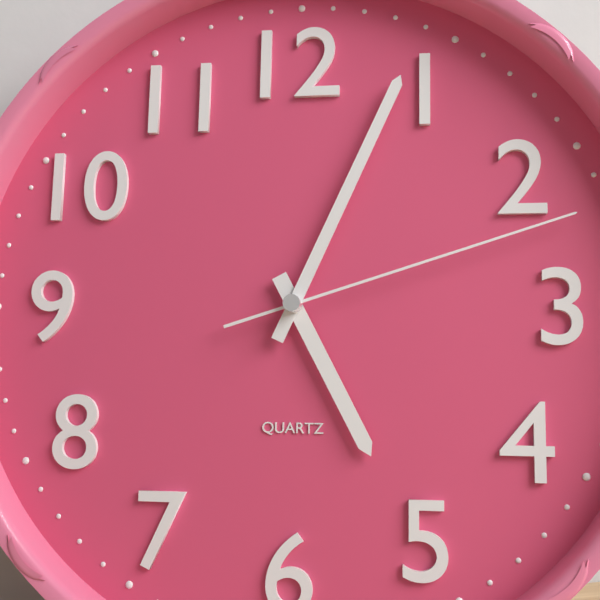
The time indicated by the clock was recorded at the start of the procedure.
5:04:12
